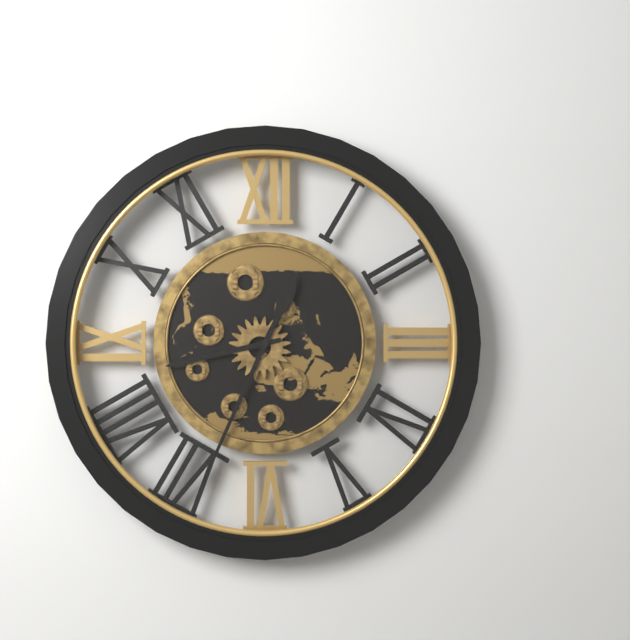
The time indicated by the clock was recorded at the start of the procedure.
8:34
